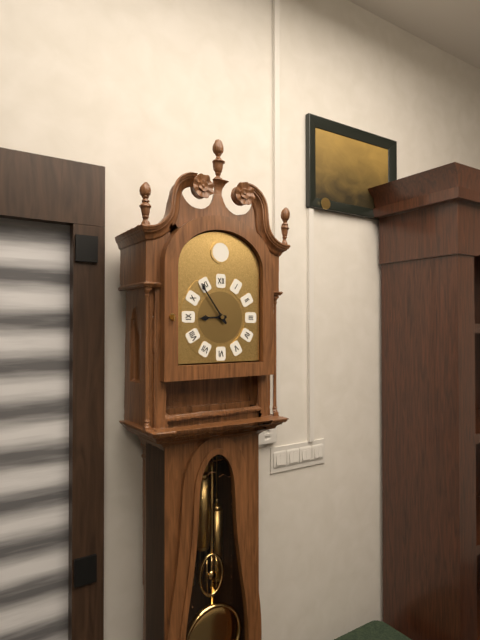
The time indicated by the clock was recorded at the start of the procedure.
8:54
